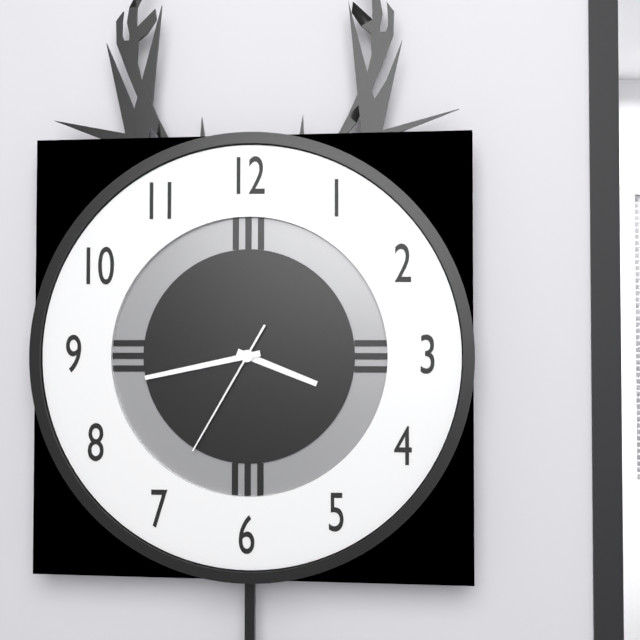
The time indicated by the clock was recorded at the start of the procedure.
3:43:35
